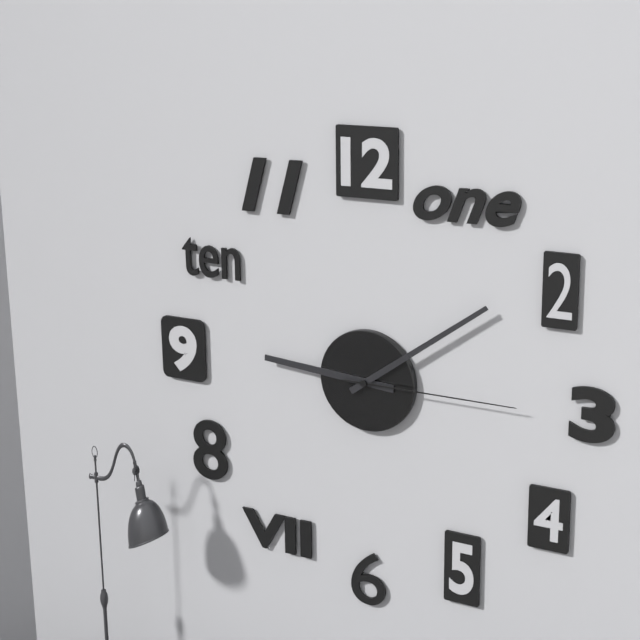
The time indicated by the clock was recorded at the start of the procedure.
9:09:15
